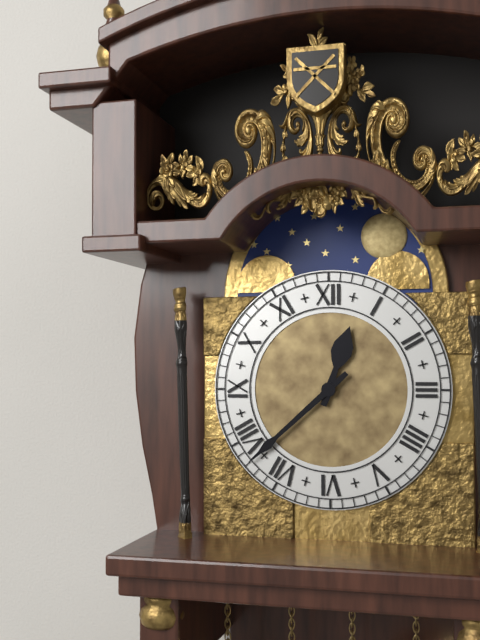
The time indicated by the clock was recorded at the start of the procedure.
12:38
